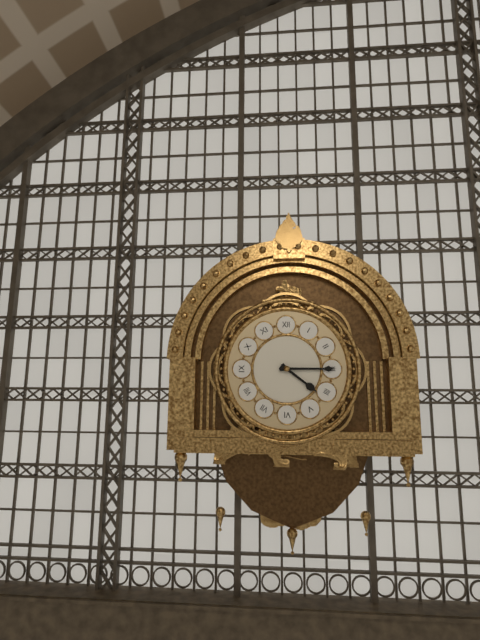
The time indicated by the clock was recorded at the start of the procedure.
4:15
